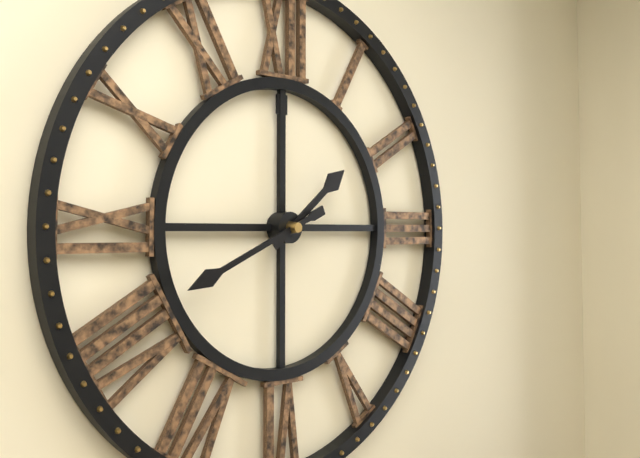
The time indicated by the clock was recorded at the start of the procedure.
1:41
